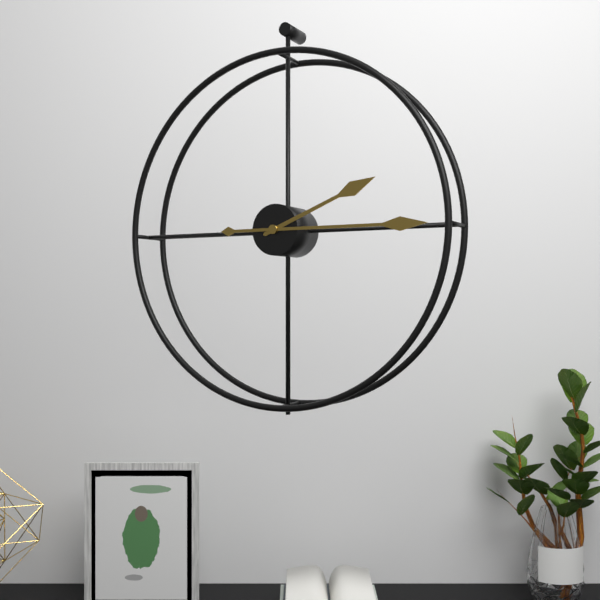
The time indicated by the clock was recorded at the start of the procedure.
2:15
